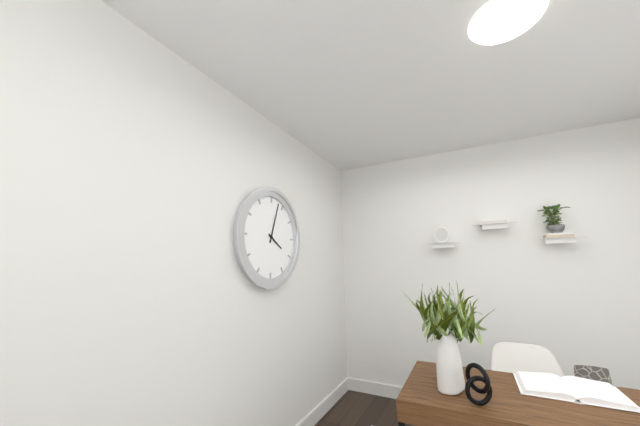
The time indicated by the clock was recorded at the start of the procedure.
4:03
